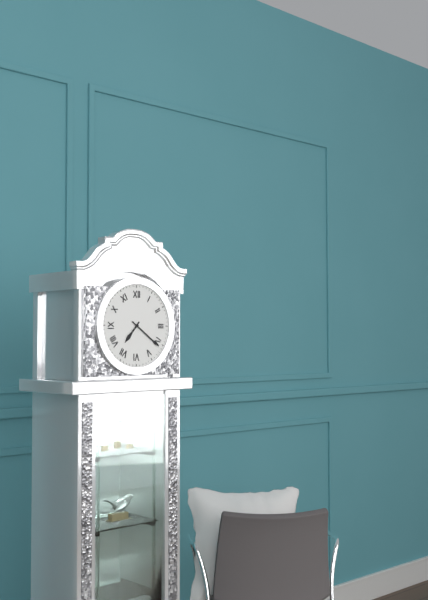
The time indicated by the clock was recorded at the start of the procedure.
7:21
